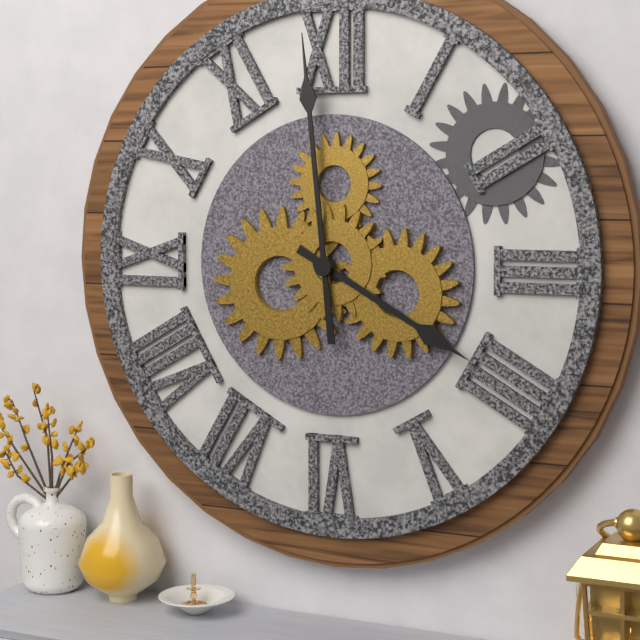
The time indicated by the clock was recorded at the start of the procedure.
3:59
